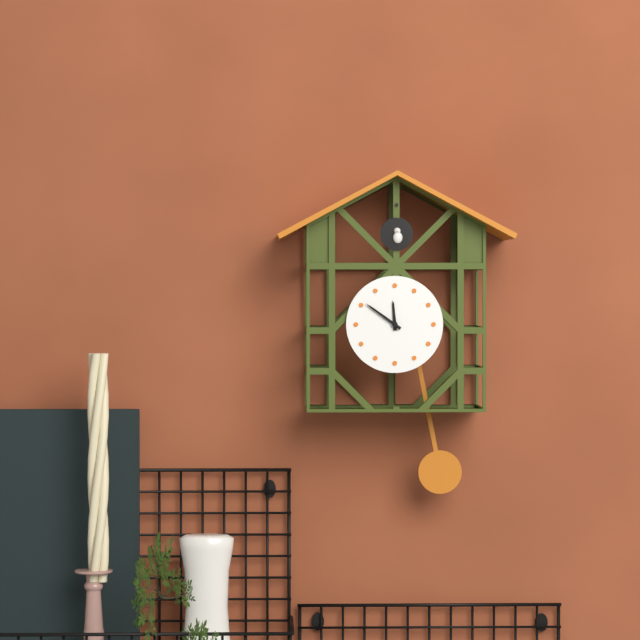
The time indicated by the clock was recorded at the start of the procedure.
11:51
